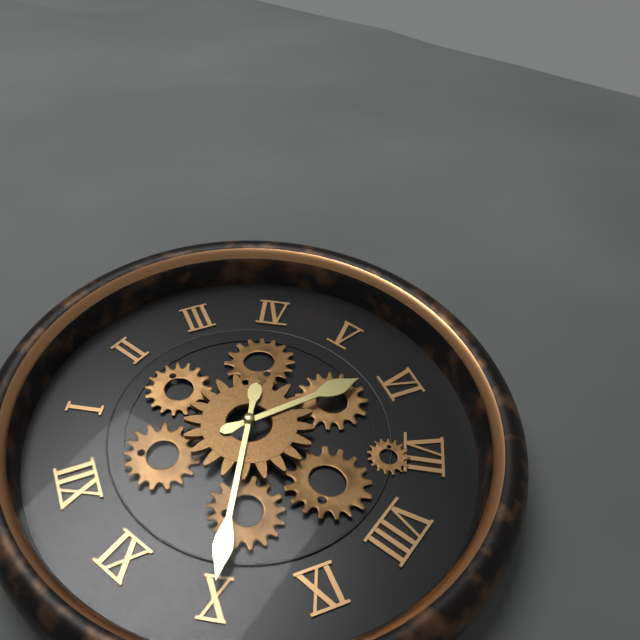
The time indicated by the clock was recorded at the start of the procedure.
5:50
